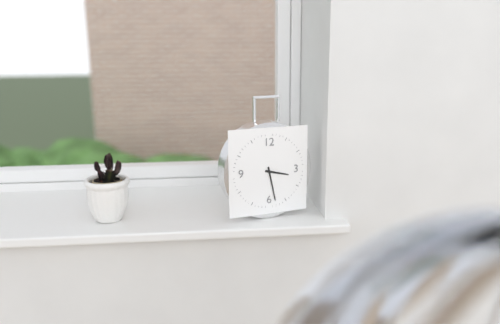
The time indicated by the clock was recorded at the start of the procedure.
3:28
